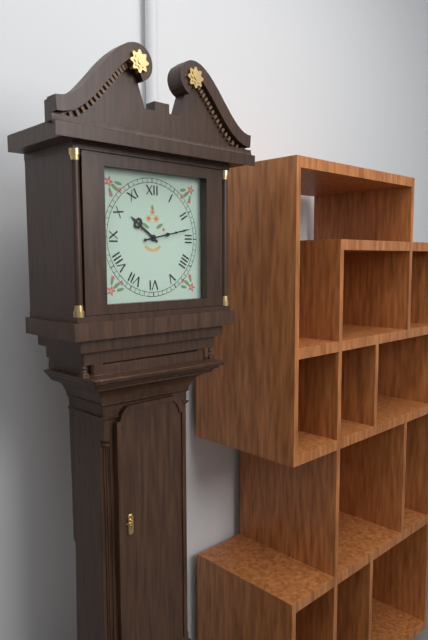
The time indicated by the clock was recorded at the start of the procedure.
10:13
